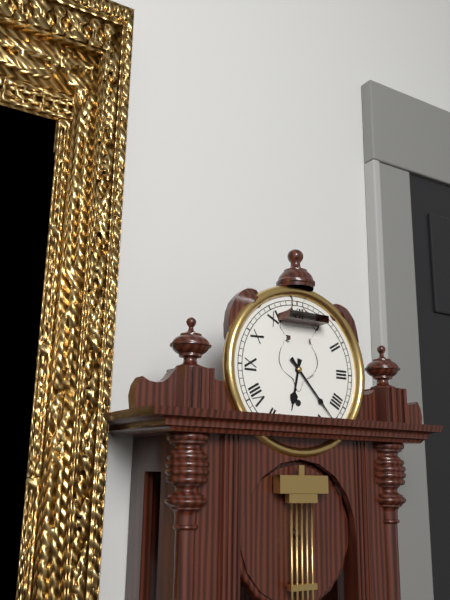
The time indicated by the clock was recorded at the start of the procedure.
6:23
